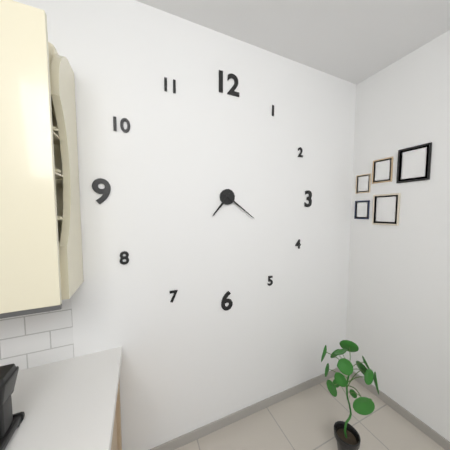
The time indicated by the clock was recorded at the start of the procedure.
7:21
